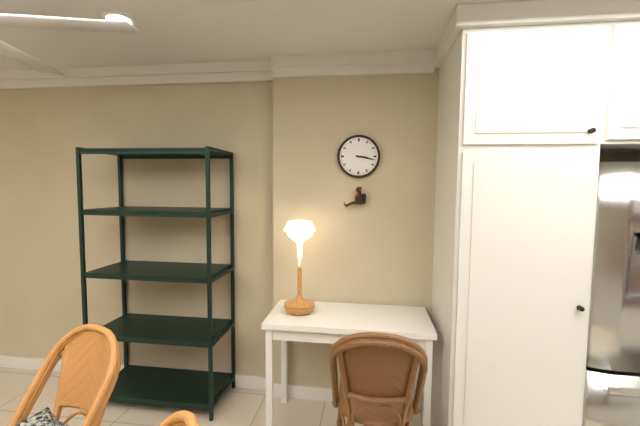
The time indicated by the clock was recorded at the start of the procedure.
3:17
